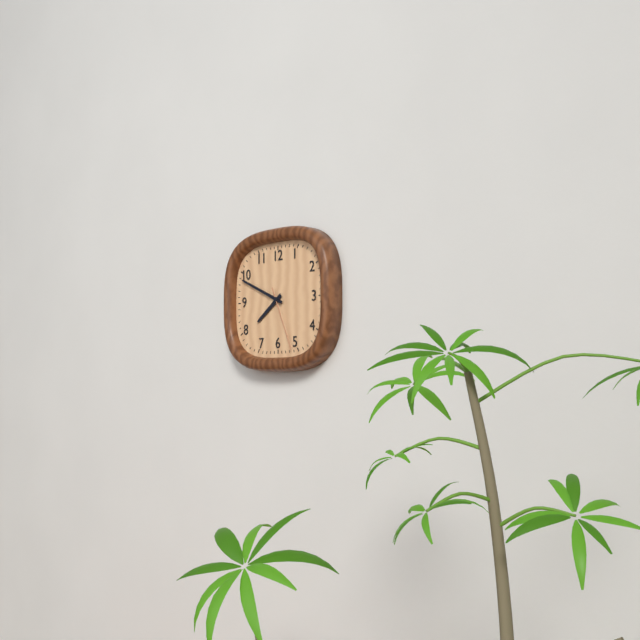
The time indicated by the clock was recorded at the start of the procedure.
7:49:26
